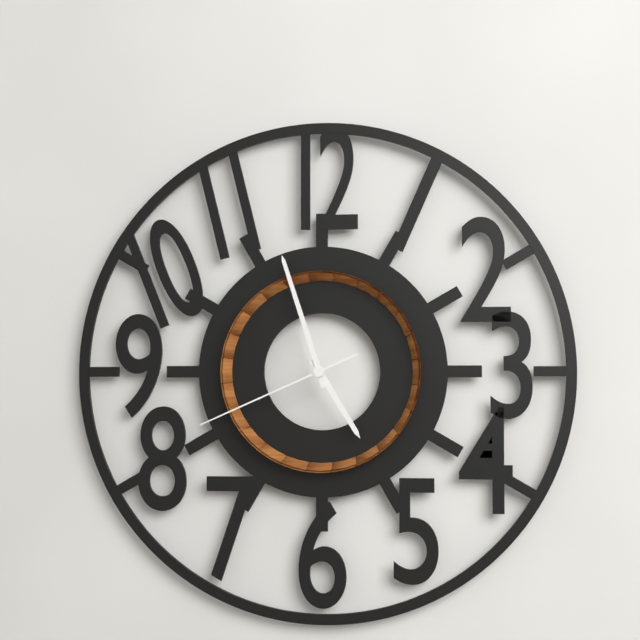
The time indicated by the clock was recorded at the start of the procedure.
4:57:41
